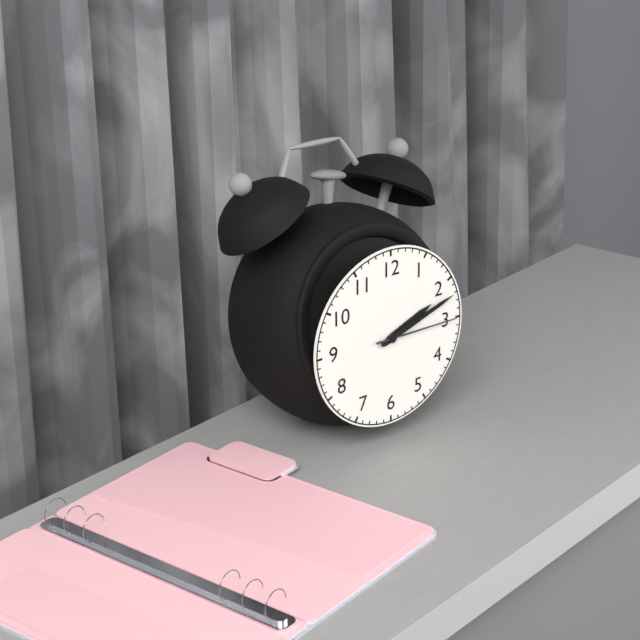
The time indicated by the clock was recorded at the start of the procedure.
2:12:15
